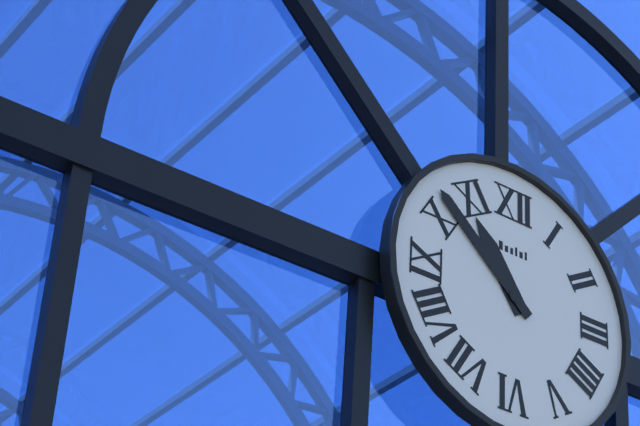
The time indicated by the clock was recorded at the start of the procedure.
10:52
